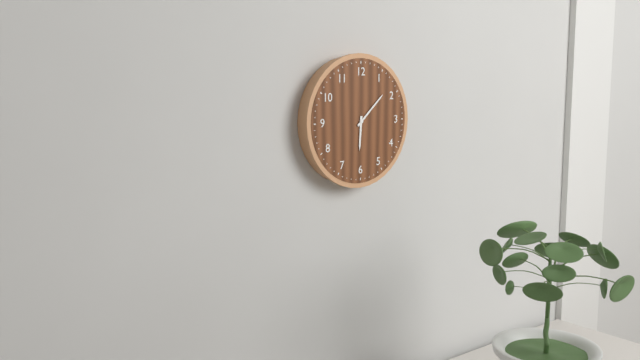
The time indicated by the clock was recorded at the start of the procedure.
6:08
